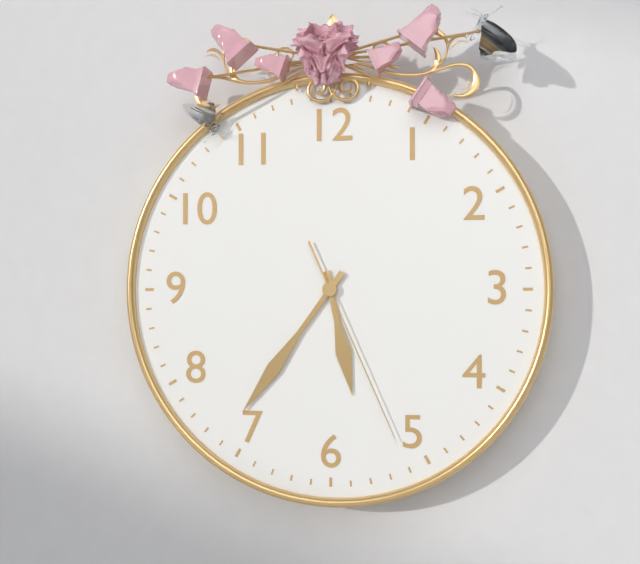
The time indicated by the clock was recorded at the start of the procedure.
5:36:26
